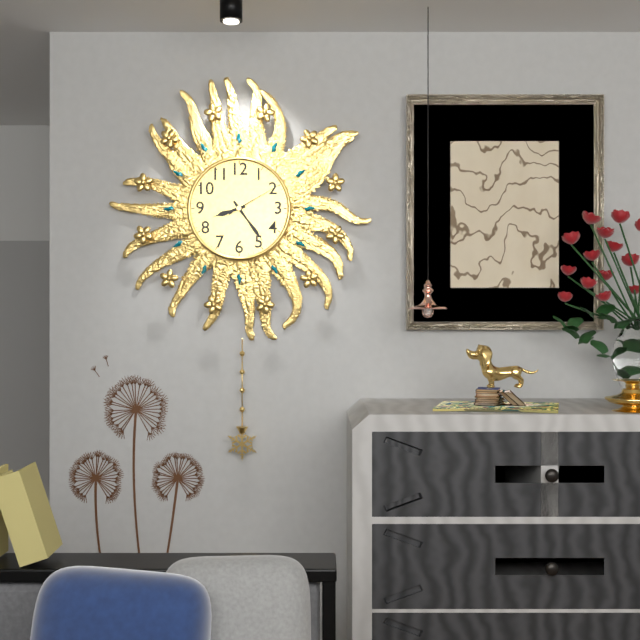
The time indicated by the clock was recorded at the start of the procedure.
8:24:10
